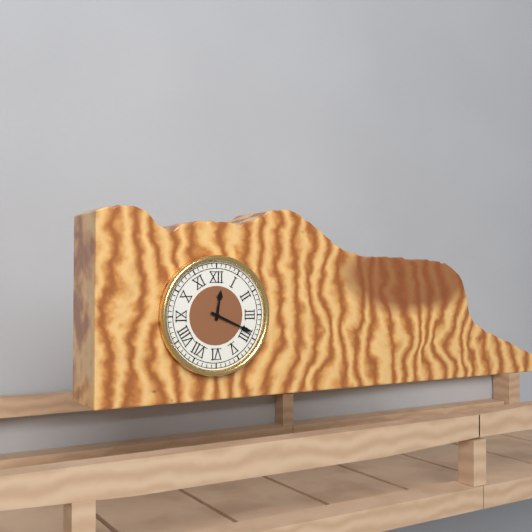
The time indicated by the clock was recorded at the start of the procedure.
12:19
